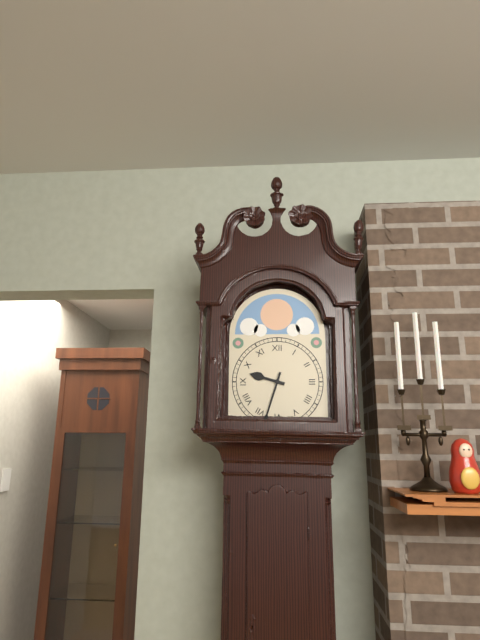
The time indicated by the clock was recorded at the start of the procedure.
9:33
